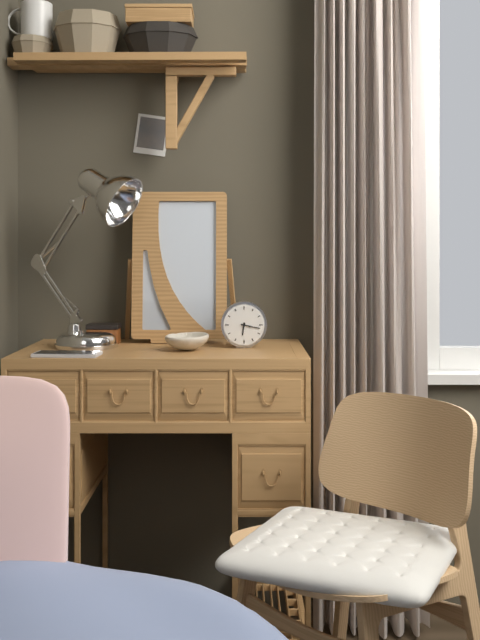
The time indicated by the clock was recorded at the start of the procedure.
6:17
